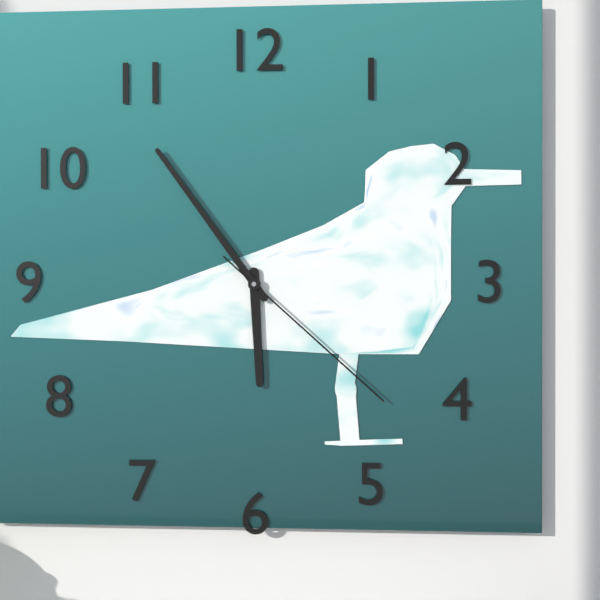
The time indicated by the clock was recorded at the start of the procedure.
5:54:22
